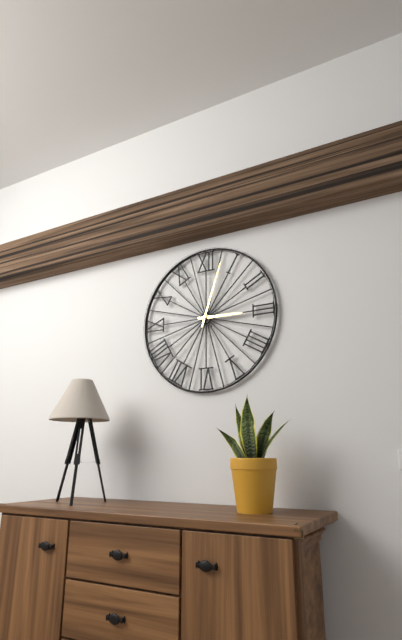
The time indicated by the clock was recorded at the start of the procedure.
3:03
